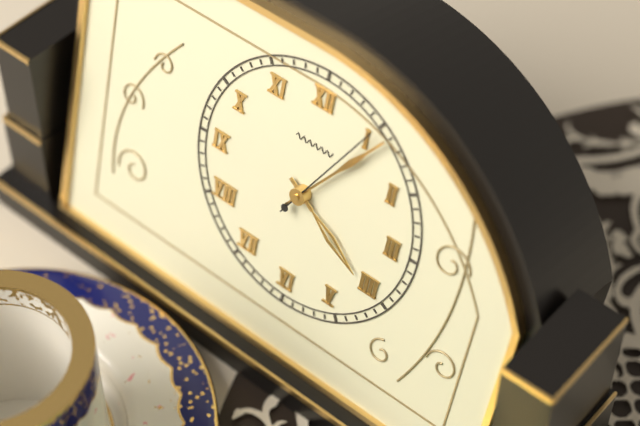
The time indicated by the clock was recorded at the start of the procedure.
4:06:05
